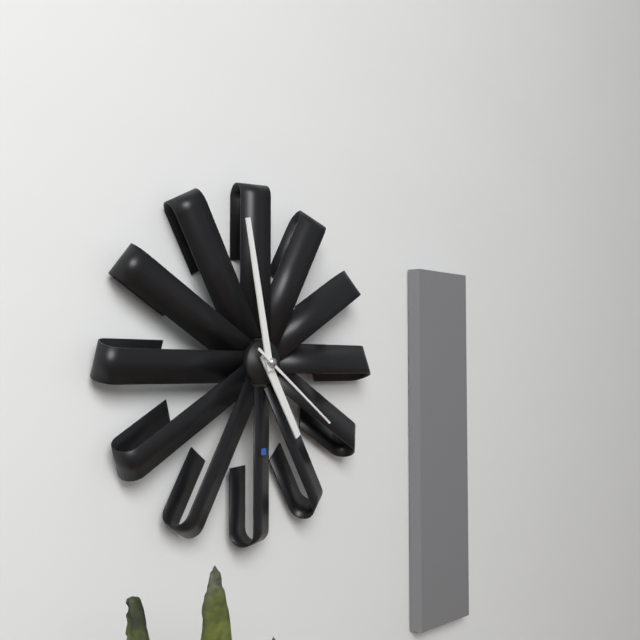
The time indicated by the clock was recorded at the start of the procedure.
4:58:21
